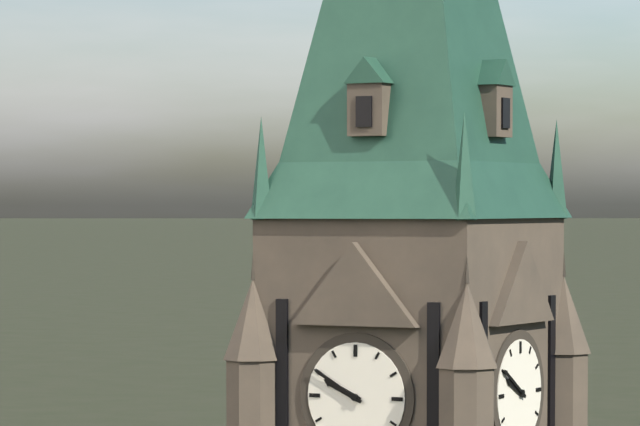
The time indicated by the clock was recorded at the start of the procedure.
9:50
